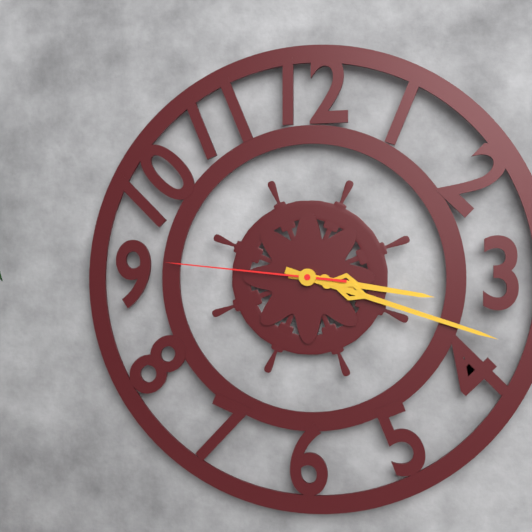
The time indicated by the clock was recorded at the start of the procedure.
3:18:46
